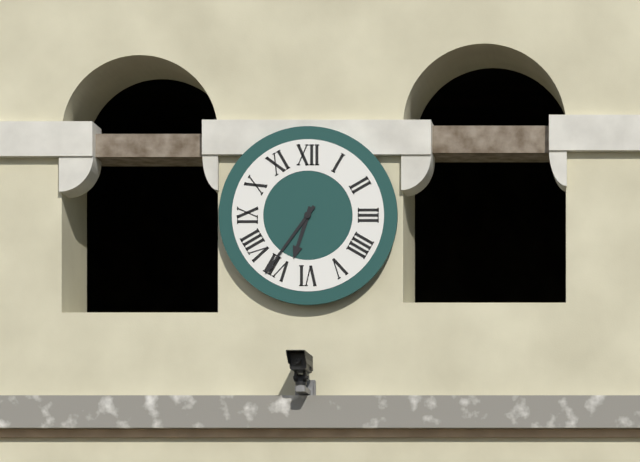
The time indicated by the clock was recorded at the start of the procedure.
6:36
